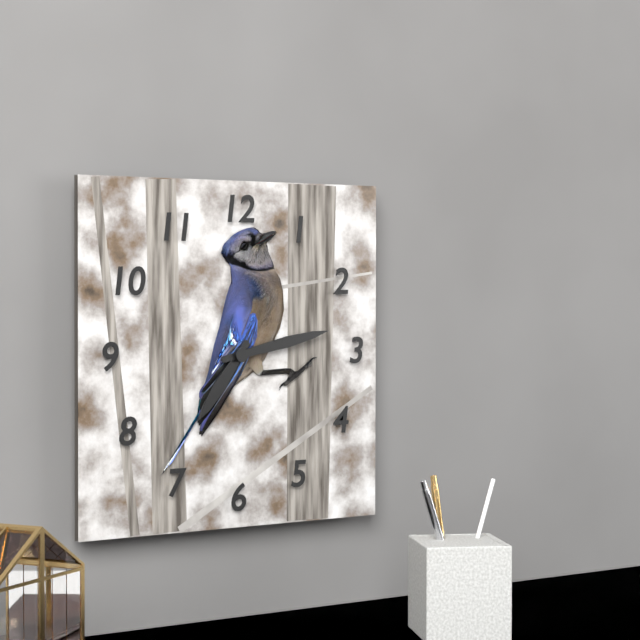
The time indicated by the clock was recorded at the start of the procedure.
7:13
